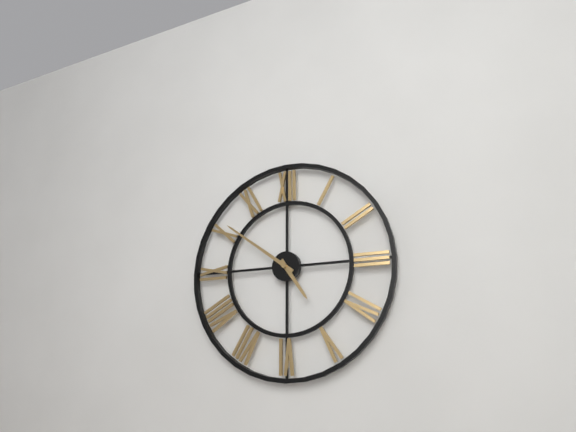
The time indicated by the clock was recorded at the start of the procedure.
4:51
